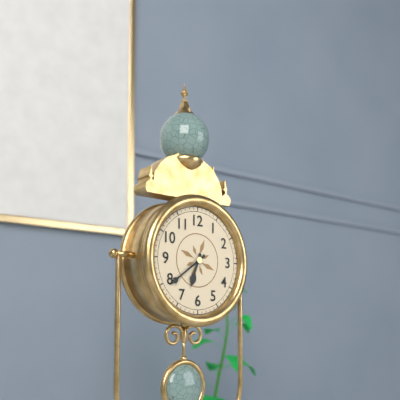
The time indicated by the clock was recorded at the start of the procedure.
6:39
